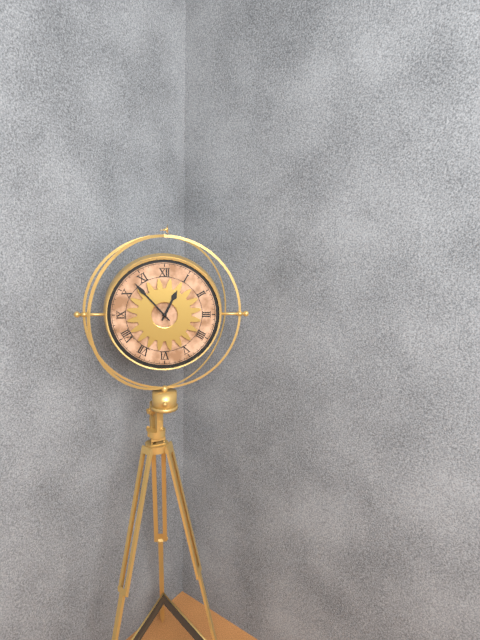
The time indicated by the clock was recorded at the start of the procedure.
12:53
